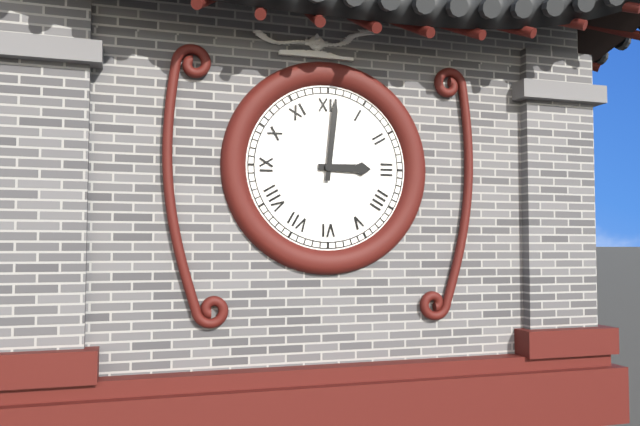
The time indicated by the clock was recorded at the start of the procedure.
3:01
